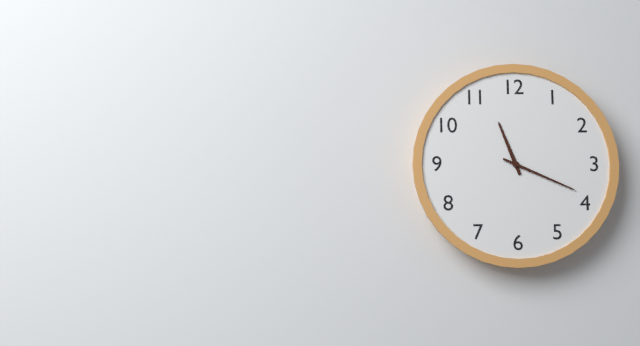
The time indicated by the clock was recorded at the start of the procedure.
11:19
